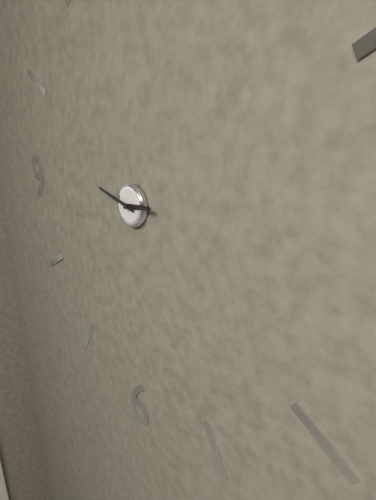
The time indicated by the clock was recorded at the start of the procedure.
2:47
